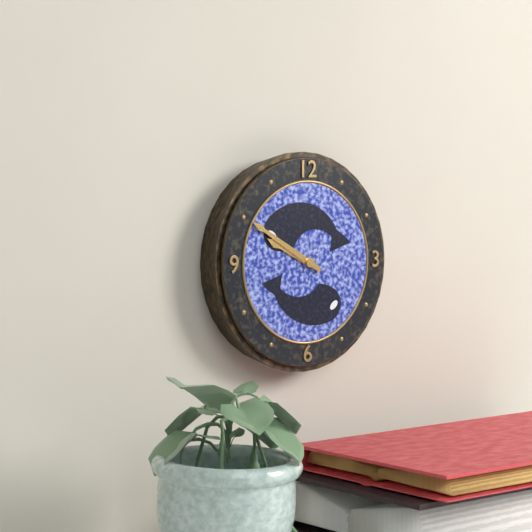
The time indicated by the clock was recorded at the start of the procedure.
9:50
